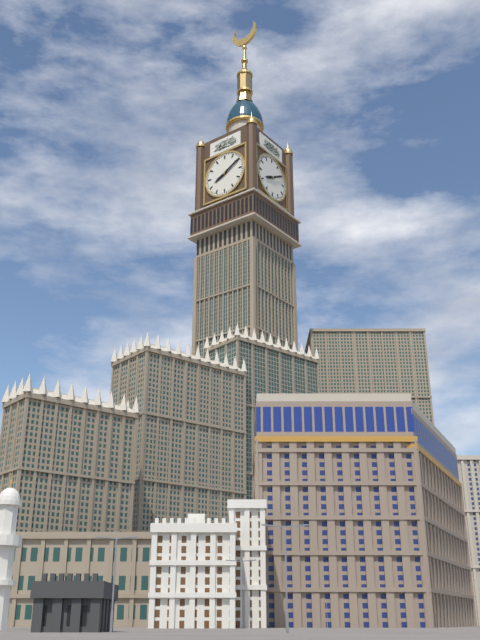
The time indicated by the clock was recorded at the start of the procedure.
8:10
